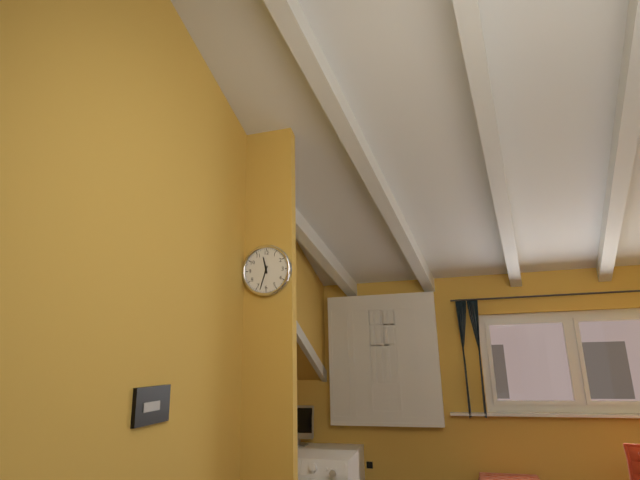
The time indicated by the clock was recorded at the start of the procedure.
11:33
